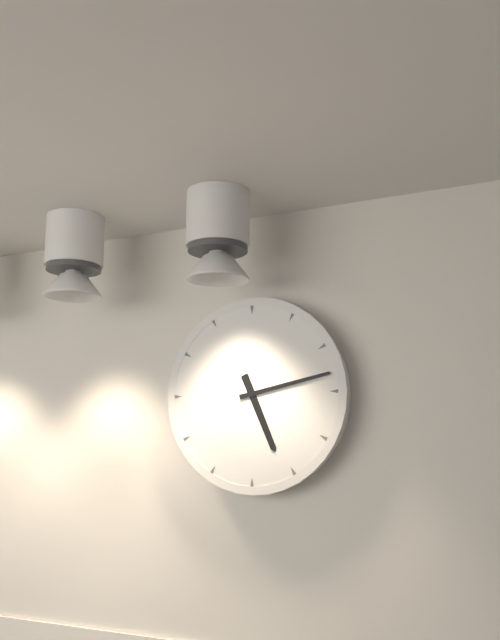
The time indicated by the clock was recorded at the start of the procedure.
5:13
